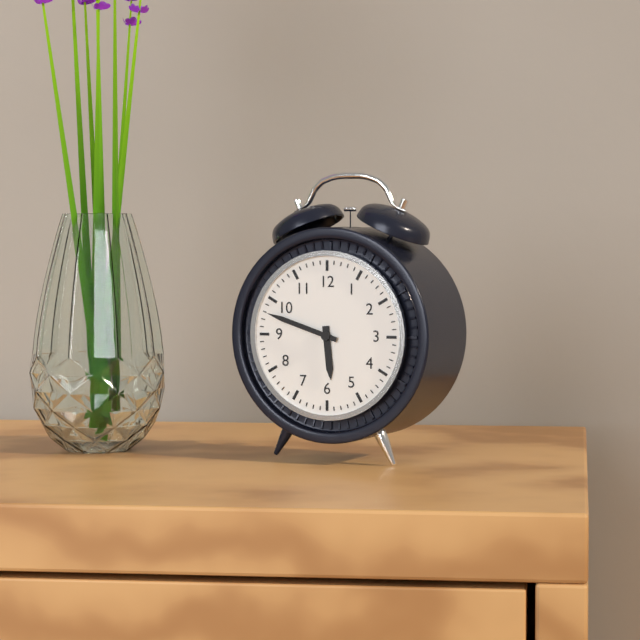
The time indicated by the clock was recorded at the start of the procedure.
5:48
